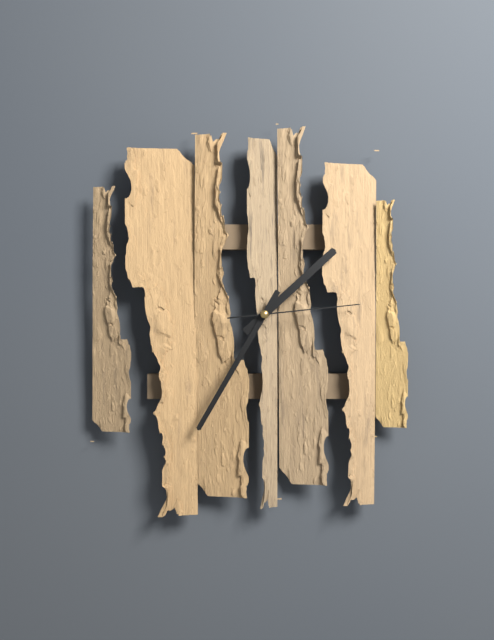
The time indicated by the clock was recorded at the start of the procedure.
1:35:14
